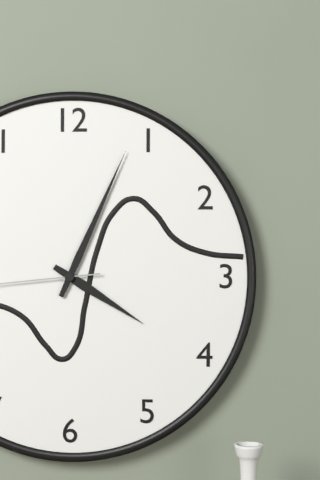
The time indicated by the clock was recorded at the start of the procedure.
4:04
